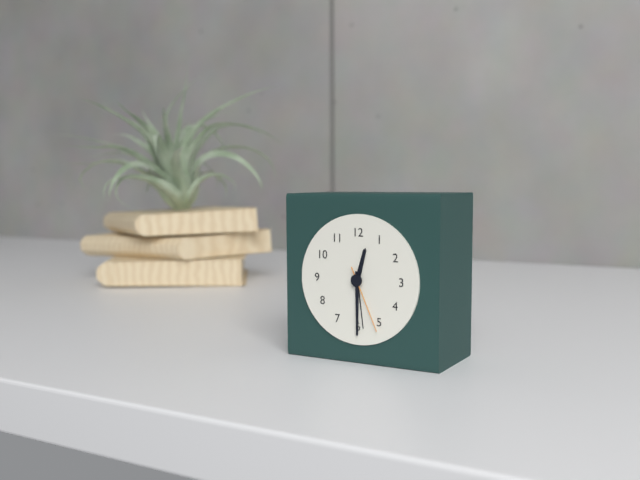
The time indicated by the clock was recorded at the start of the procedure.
12:30:26
